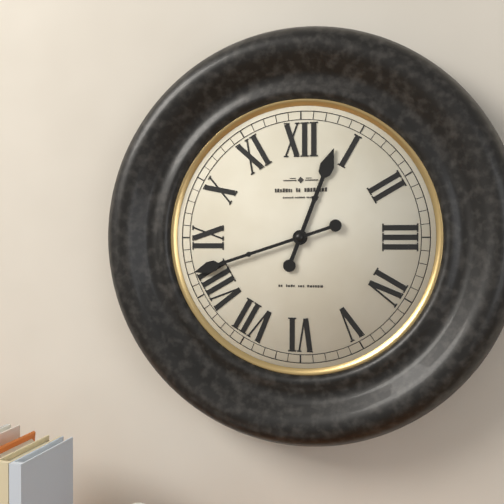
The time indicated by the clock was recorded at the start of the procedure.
12:42
